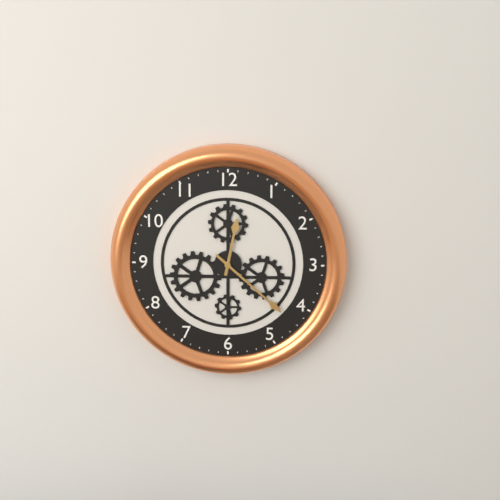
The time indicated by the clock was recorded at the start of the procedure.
12:22
